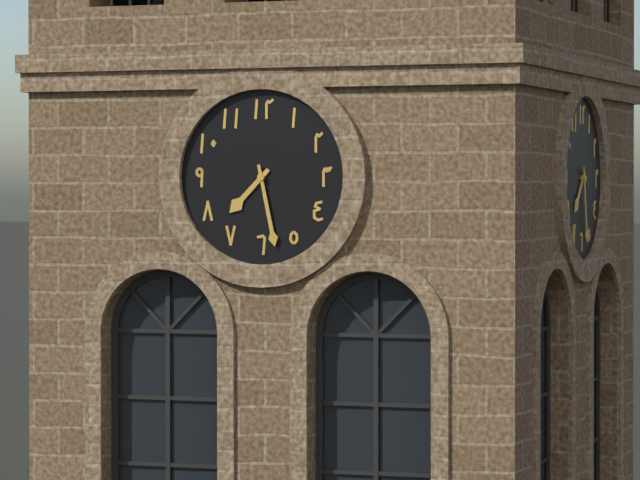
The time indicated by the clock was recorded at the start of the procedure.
7:28
